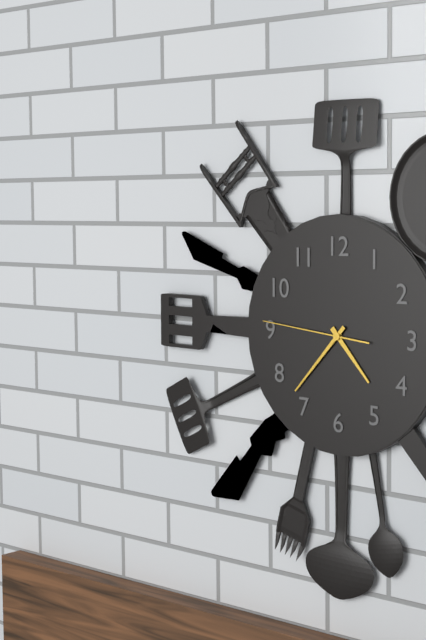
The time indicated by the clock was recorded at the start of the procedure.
4:37:46
